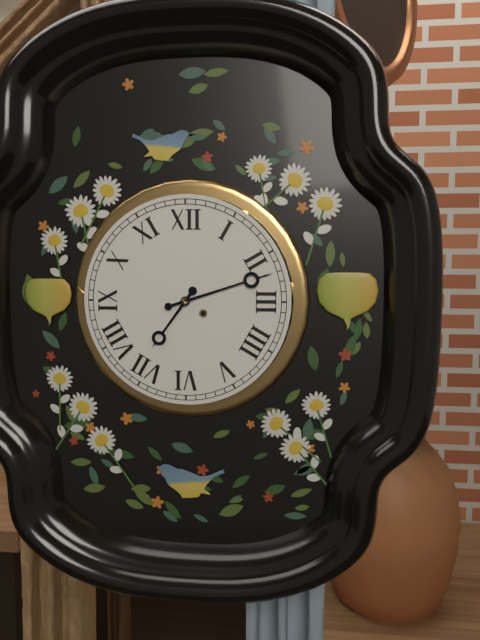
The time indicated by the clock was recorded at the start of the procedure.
7:12
